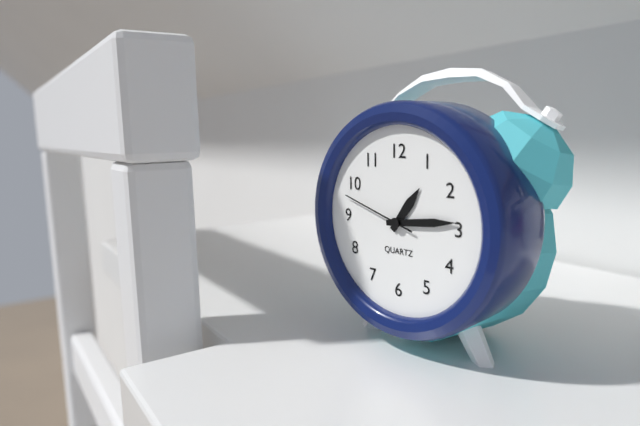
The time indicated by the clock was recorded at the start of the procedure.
1:14:48
